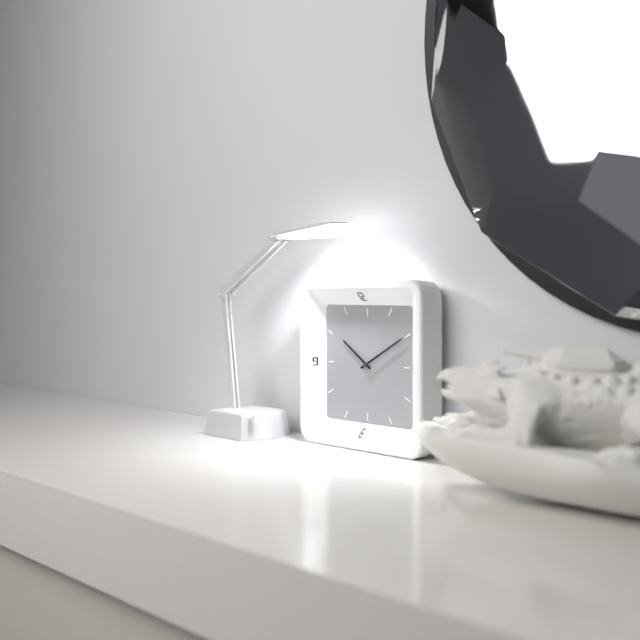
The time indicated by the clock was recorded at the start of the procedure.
10:10
